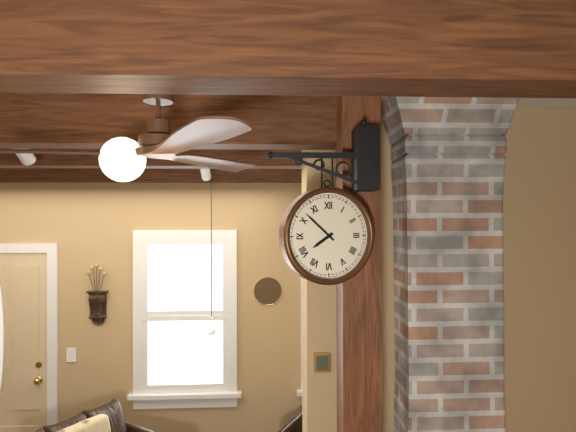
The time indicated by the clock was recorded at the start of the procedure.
7:52
